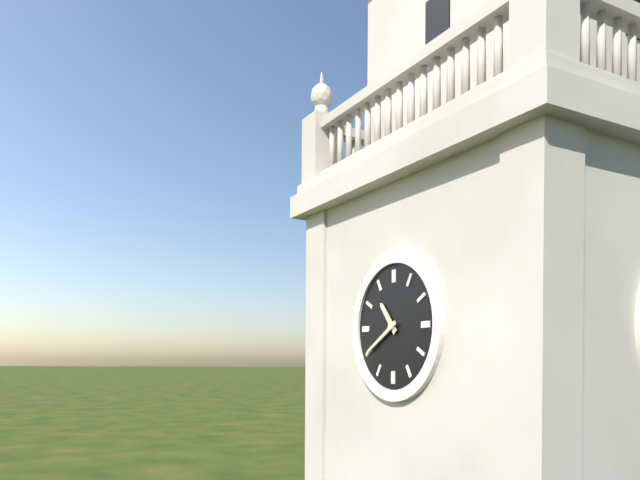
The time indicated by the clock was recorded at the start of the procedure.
10:40
